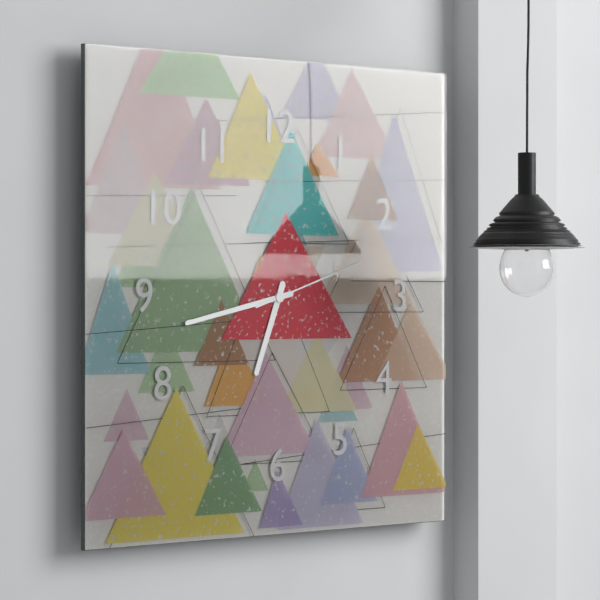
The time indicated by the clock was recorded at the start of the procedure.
6:43:12
